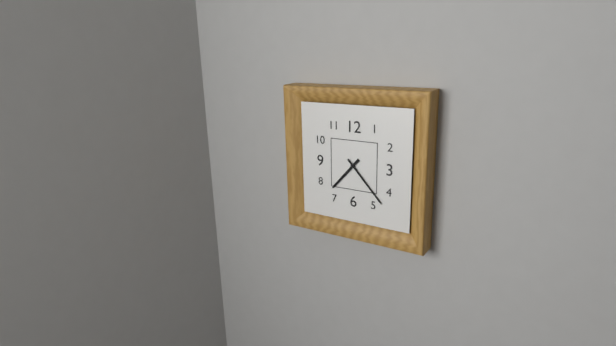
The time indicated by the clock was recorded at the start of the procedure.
7:23
